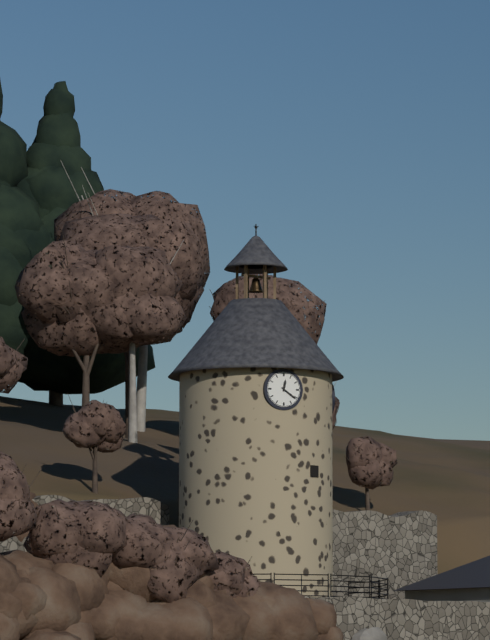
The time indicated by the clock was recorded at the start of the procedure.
12:21
